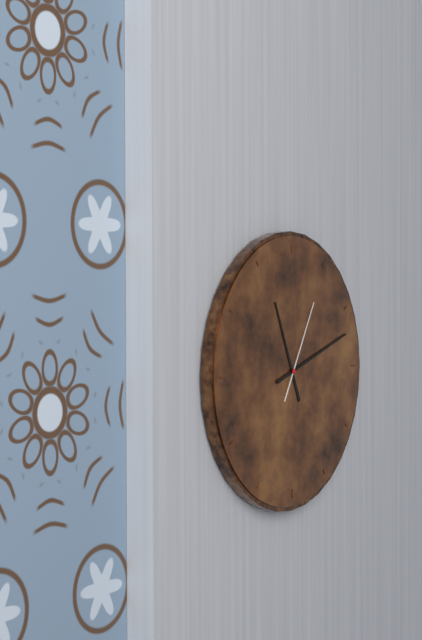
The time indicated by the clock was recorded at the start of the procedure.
11:12:05
